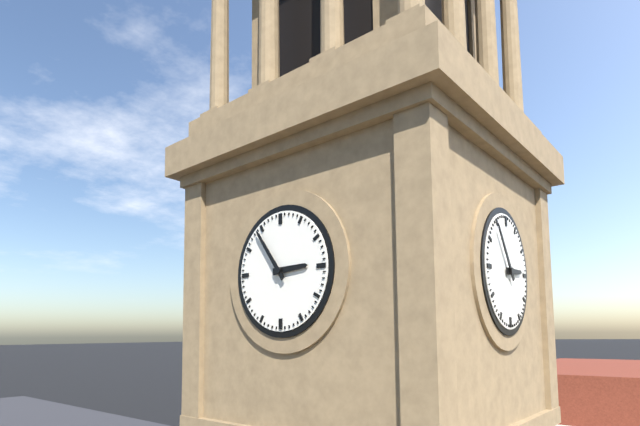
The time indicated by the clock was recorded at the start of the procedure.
2:54
